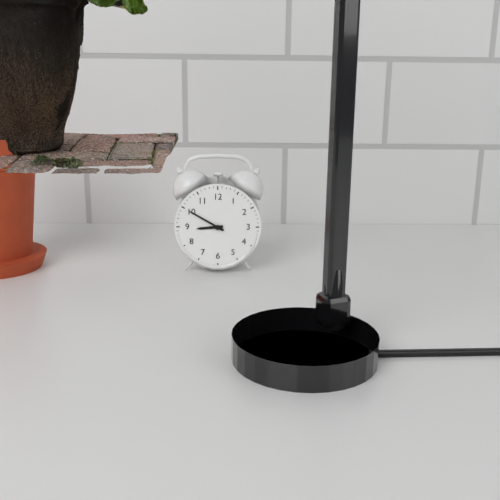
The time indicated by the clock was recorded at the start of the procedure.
8:50
